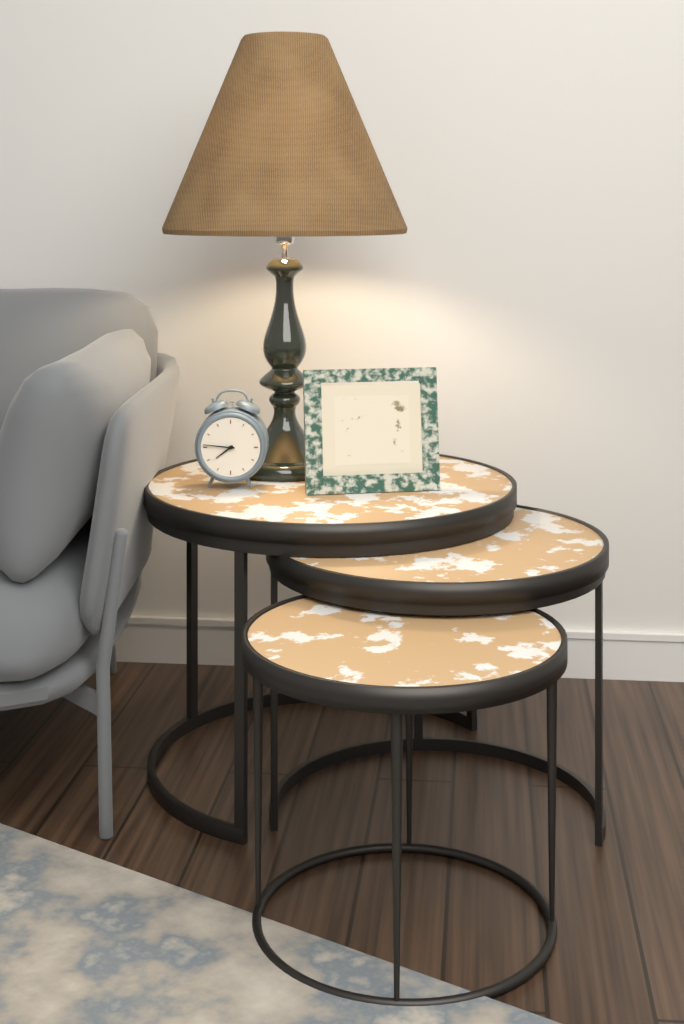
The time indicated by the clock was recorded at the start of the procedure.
7:46
